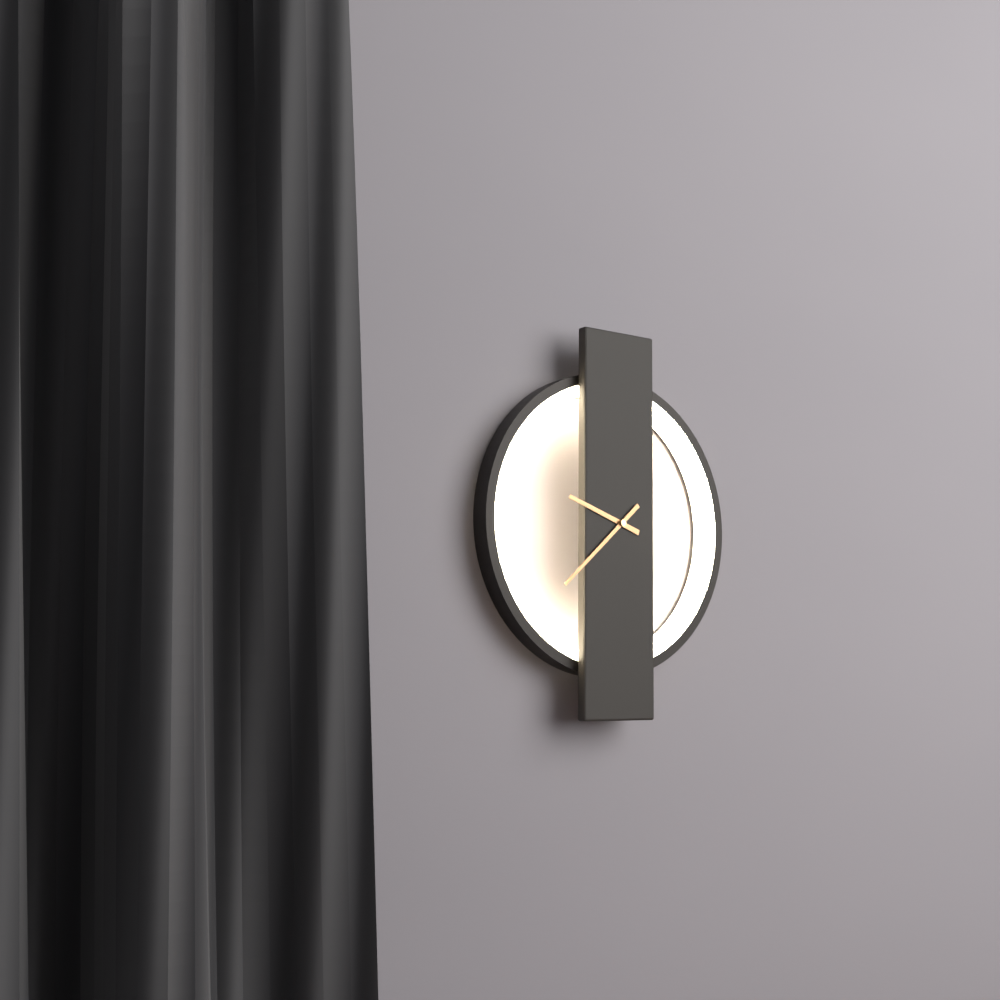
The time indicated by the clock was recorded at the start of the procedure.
9:38
